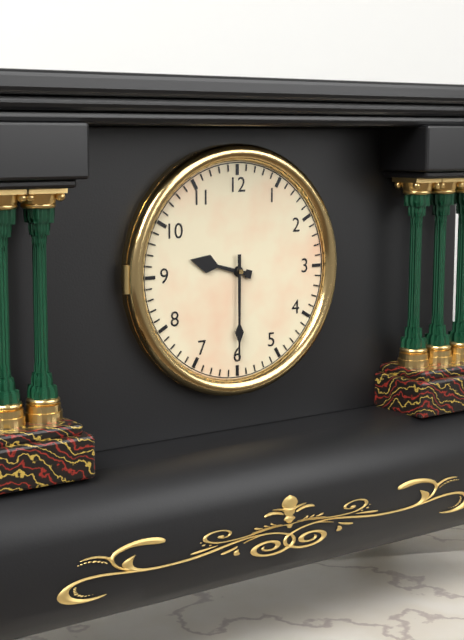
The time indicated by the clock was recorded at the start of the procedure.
9:30
